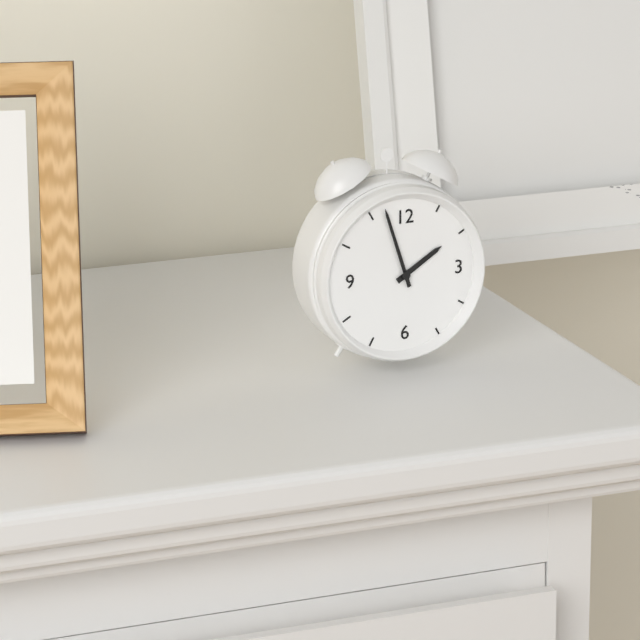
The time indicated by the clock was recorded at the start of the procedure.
1:57
